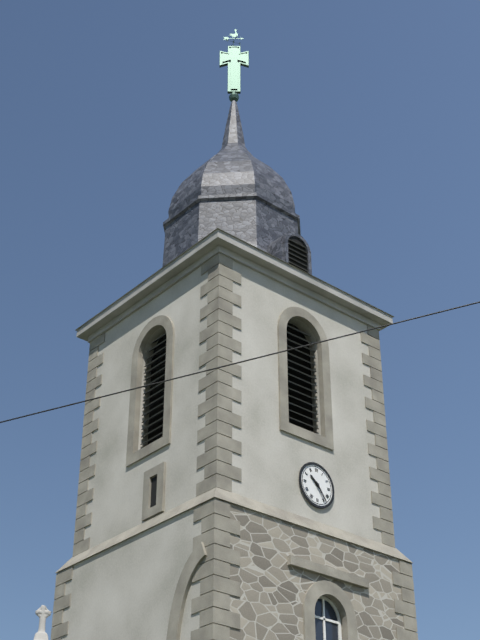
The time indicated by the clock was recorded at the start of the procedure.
10:24
